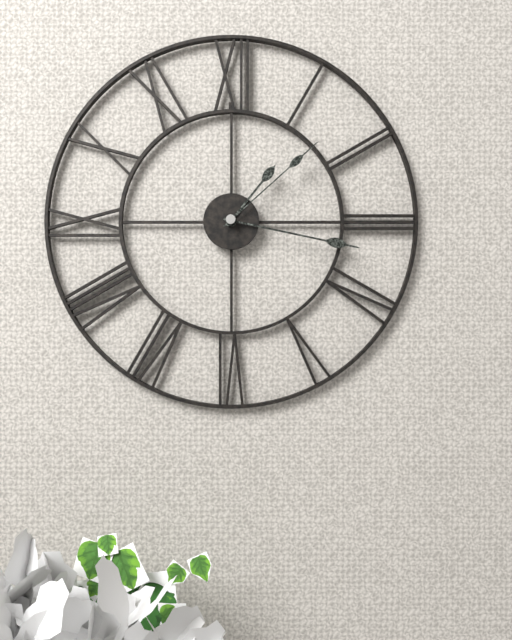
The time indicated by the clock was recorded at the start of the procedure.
1:17:08
